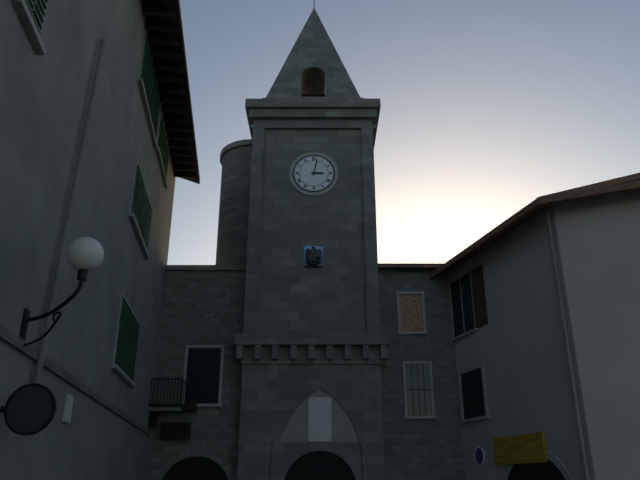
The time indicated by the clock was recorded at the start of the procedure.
3:02
